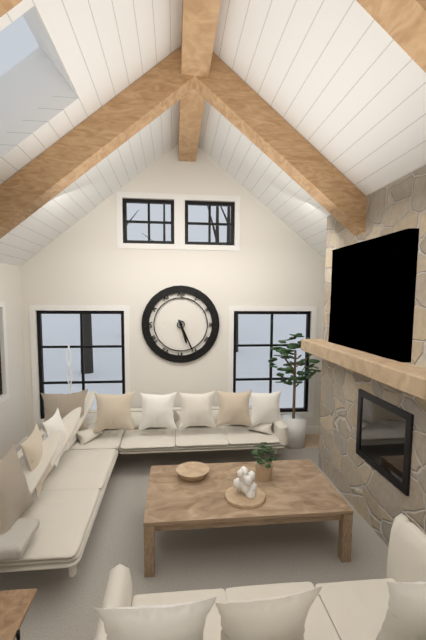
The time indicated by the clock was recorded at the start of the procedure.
5:26
